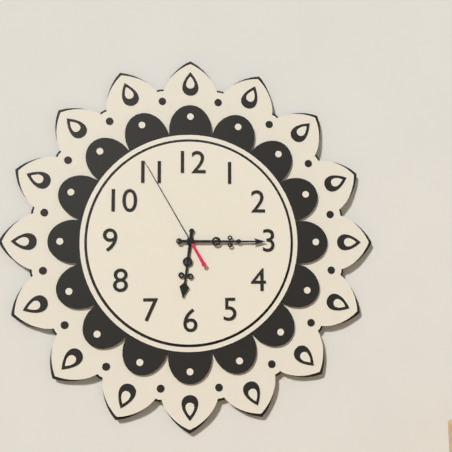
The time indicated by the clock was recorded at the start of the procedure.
6:15:55
